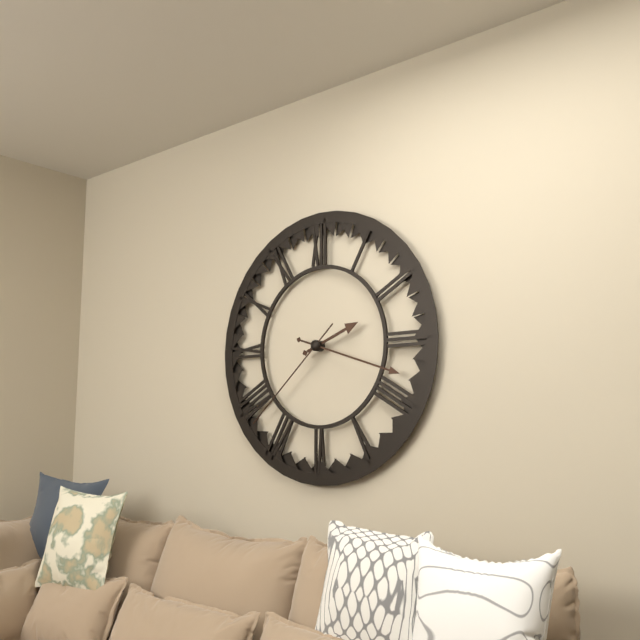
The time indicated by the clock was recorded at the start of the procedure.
2:18:38
